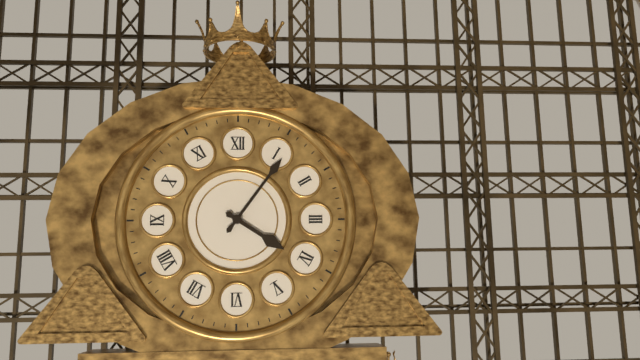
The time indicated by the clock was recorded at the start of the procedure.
4:06
